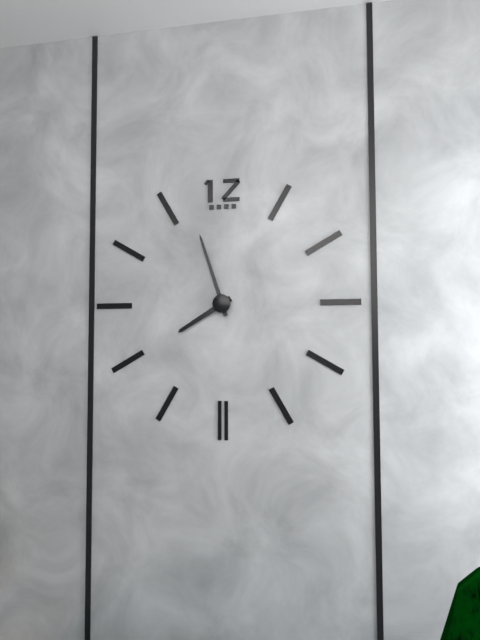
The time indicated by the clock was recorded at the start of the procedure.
7:57
